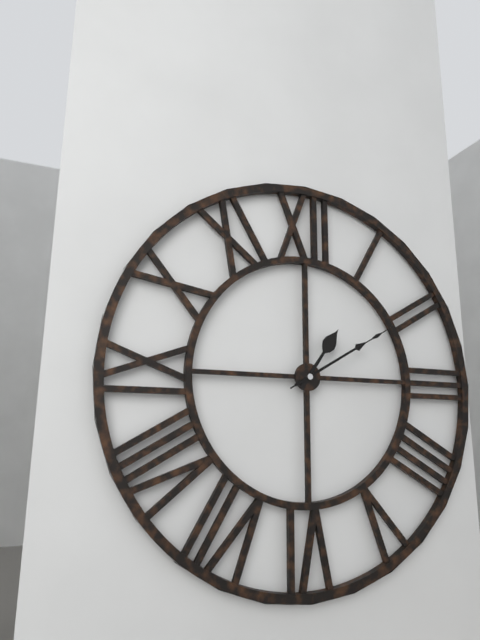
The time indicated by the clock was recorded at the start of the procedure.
1:10:10
